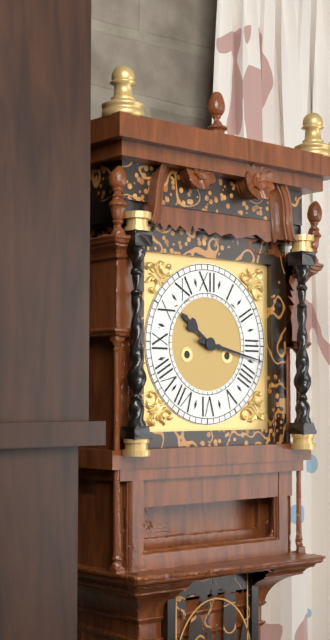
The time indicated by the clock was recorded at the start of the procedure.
10:17
